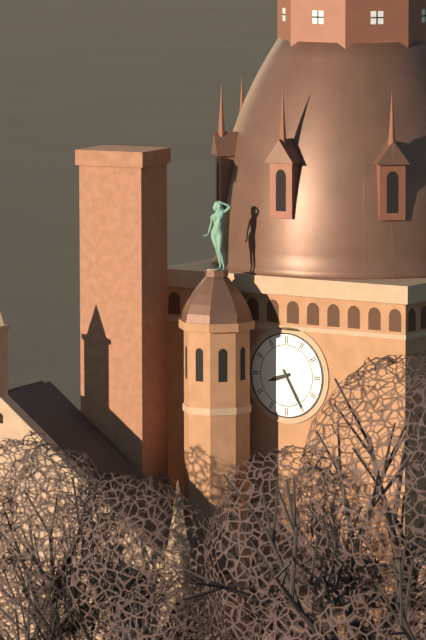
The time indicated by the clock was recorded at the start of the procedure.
8:25
